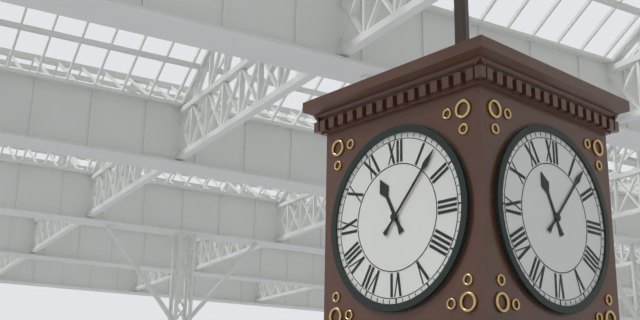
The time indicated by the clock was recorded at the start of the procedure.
11:07
